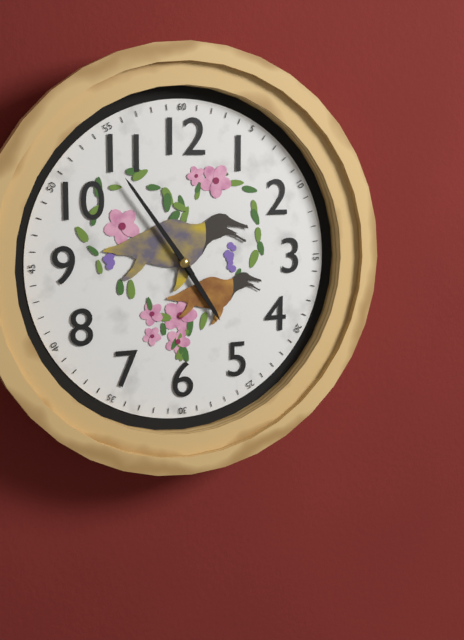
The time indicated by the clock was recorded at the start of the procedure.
4:54
